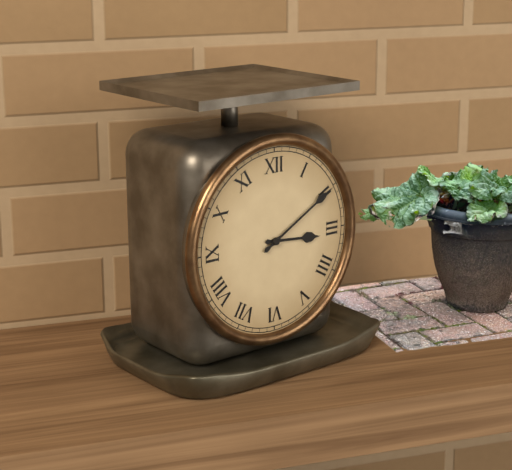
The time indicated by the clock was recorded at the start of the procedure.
3:10
